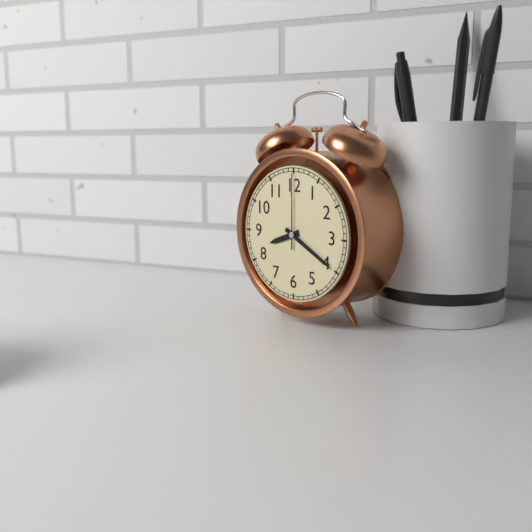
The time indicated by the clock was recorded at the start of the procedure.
8:20:00
